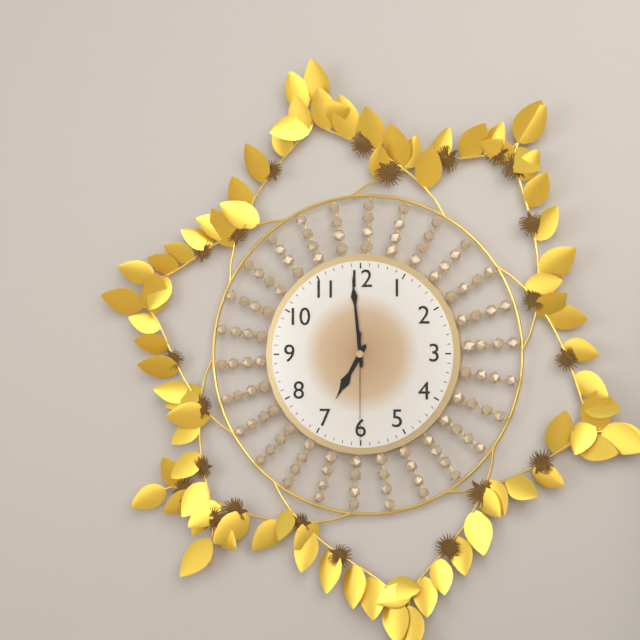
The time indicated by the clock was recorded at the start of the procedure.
6:59:30
